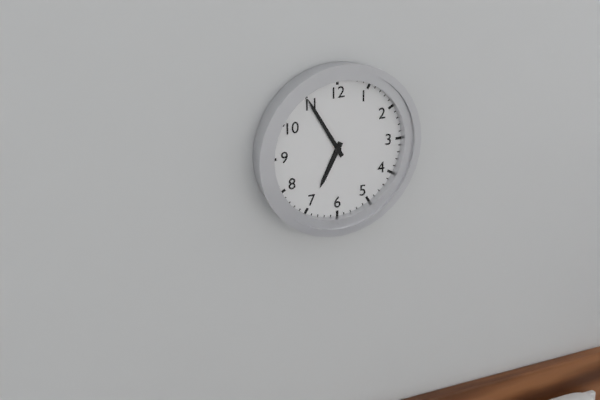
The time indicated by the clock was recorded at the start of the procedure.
6:55
